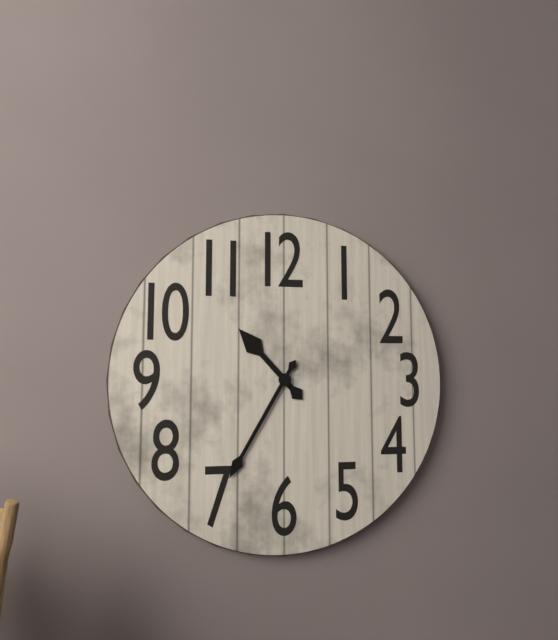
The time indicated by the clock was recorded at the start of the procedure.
10:35
